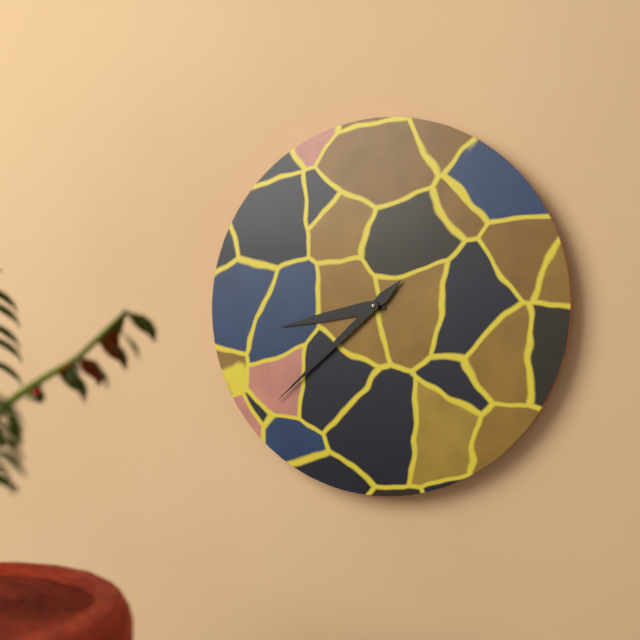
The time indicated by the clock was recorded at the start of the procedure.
8:38
